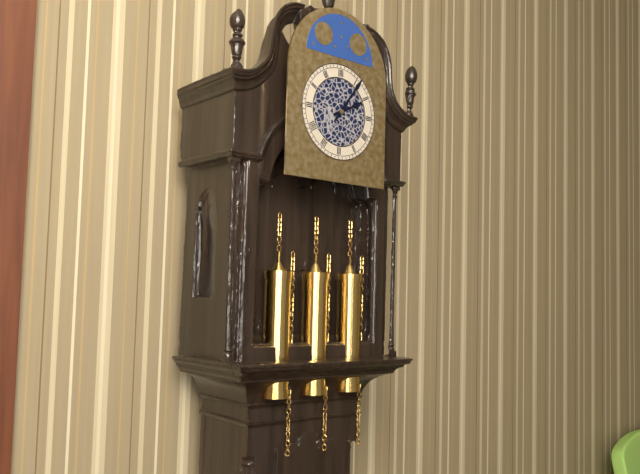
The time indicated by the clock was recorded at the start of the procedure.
2:06
